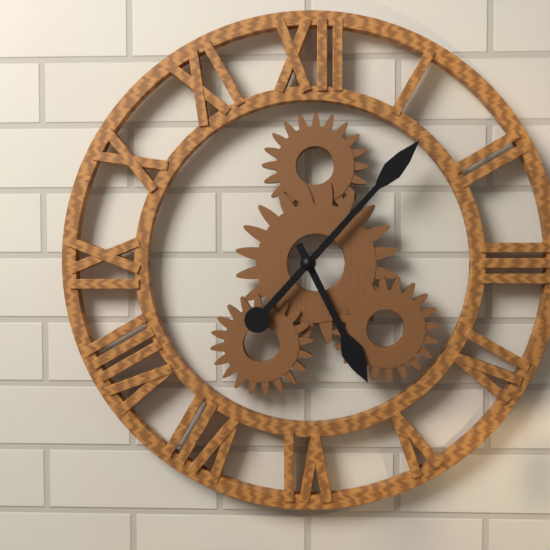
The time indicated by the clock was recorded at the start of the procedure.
5:07
